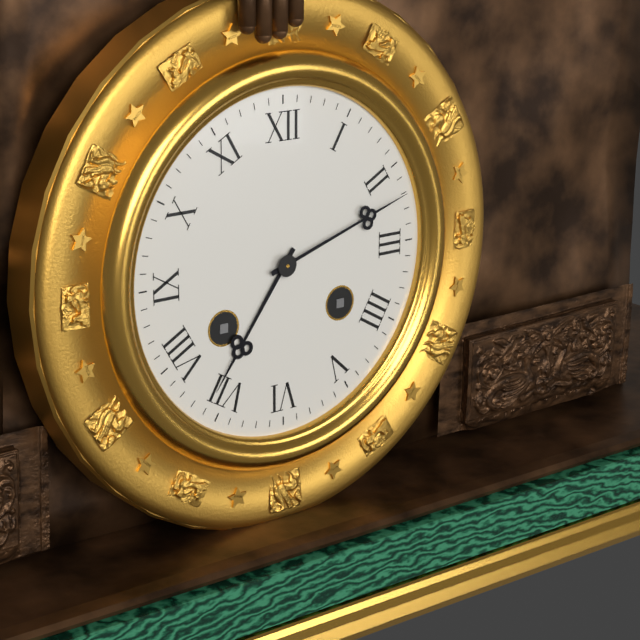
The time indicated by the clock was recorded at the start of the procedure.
7:12
